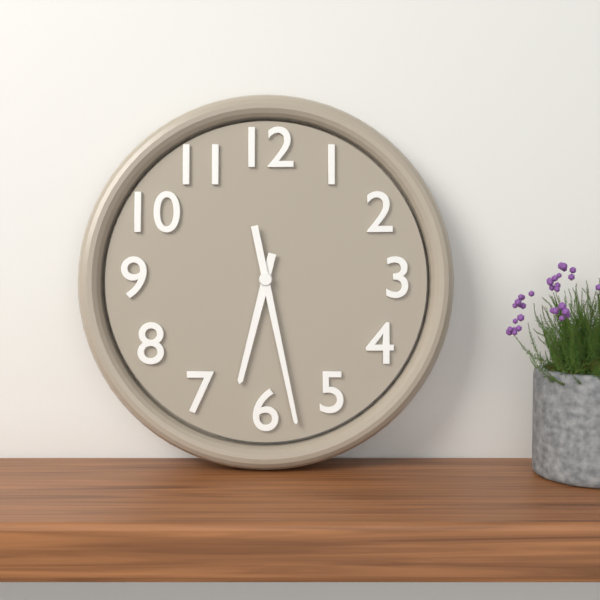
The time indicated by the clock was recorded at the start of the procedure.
6:28
